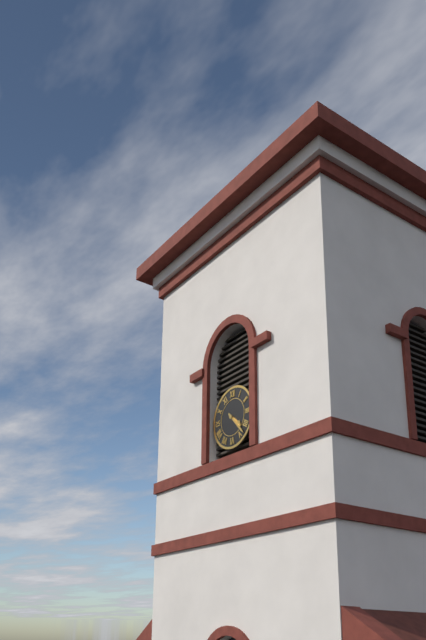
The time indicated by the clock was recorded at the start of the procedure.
4:23
